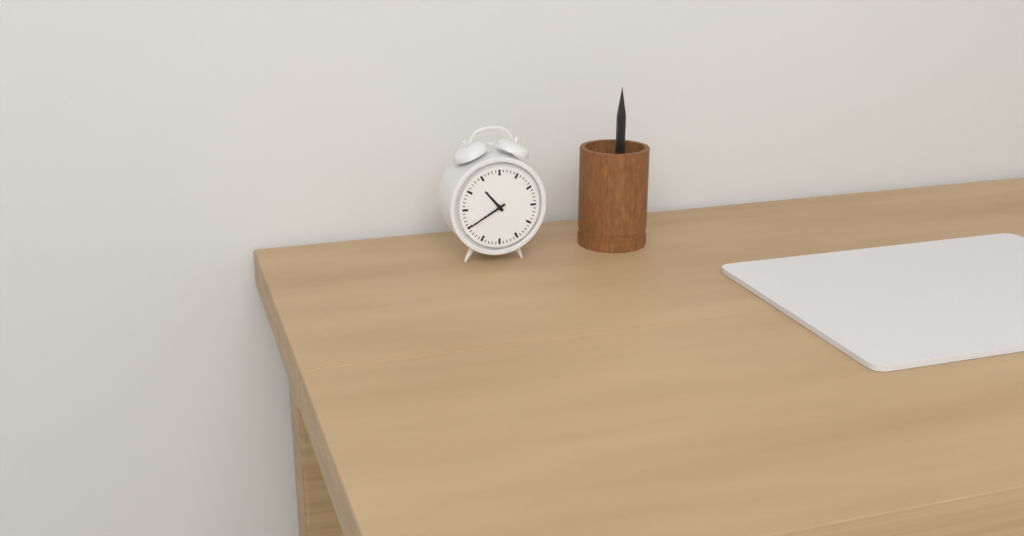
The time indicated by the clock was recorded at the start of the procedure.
10:40
